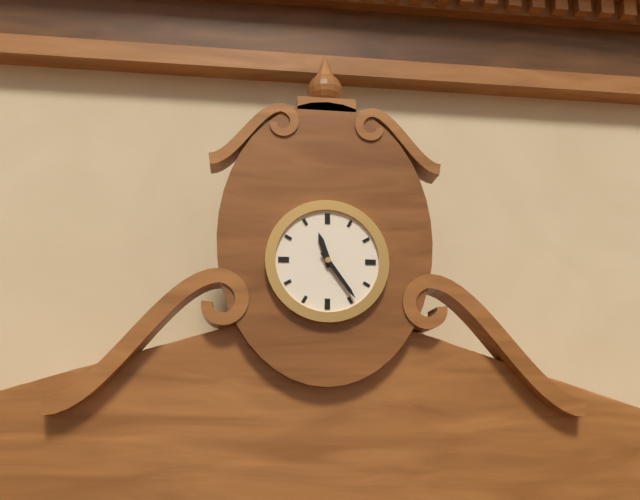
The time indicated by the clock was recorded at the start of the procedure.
11:24
